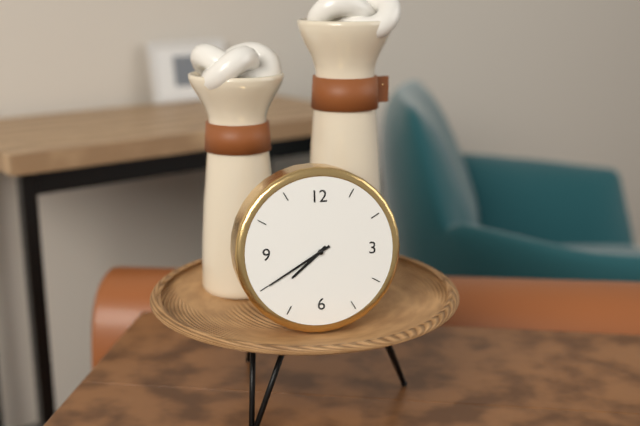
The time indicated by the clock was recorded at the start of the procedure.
7:40
